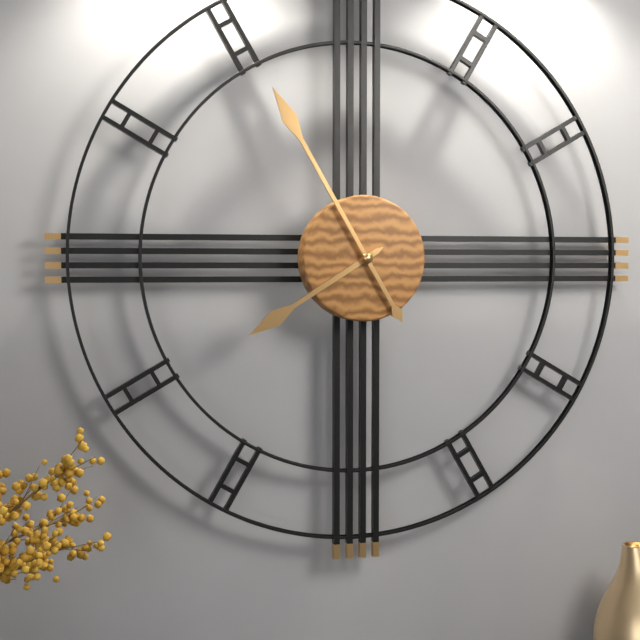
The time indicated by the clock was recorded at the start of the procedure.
7:55
